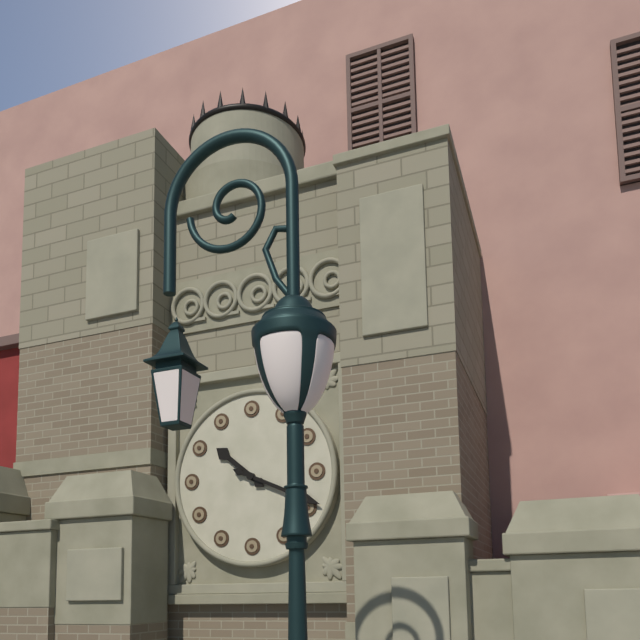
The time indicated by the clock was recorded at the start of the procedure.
10:19
